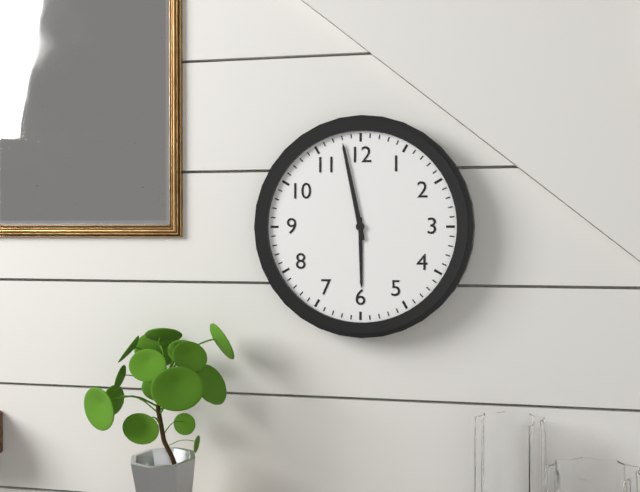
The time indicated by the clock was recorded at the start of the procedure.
5:58
